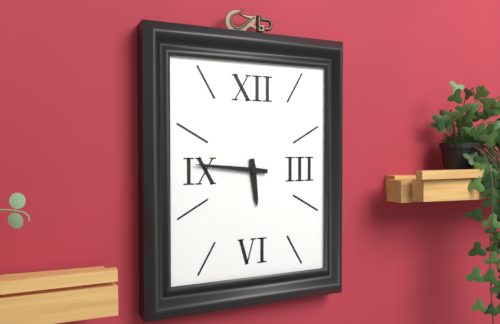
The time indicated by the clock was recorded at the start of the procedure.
5:46
